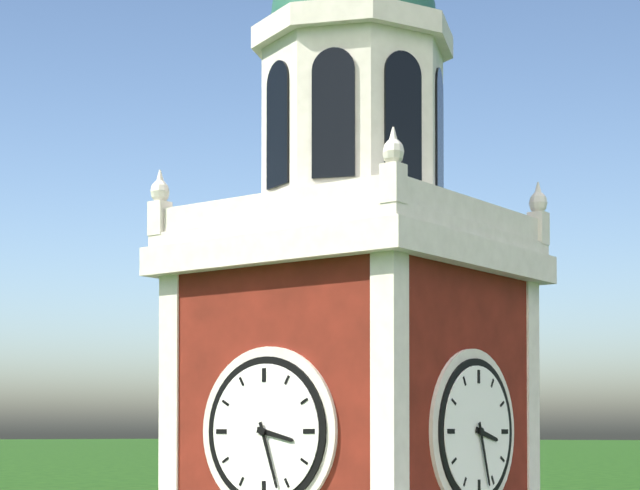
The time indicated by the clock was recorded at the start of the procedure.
3:27
